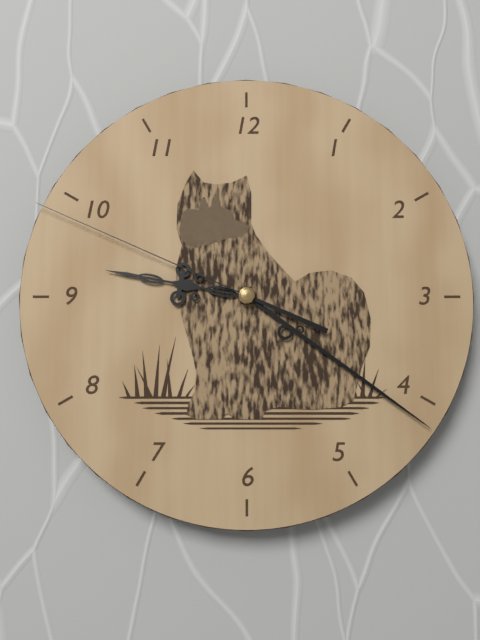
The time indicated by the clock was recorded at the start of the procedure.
9:21:49
